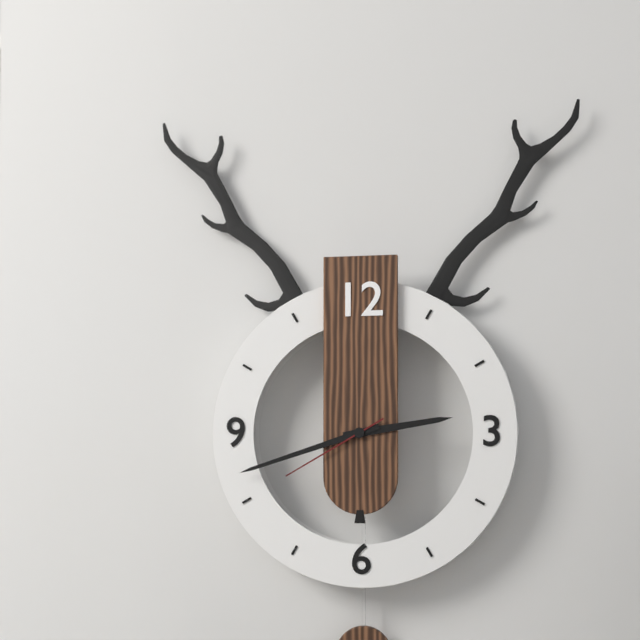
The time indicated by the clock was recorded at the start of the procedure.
2:42:40
